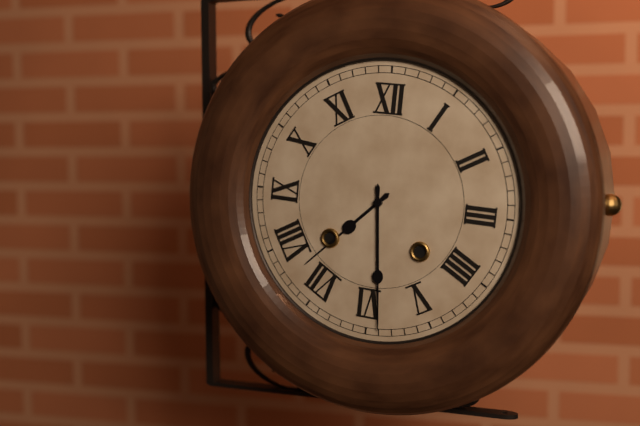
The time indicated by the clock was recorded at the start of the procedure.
7:29
